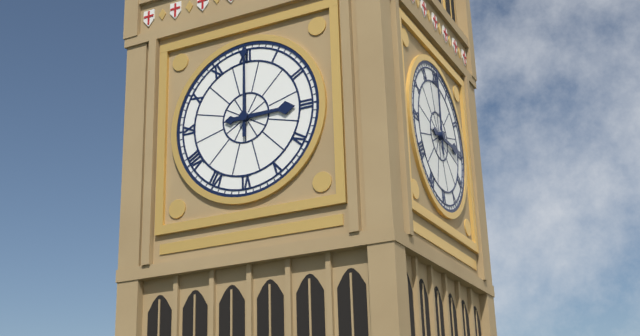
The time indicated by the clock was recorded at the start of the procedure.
3:00
